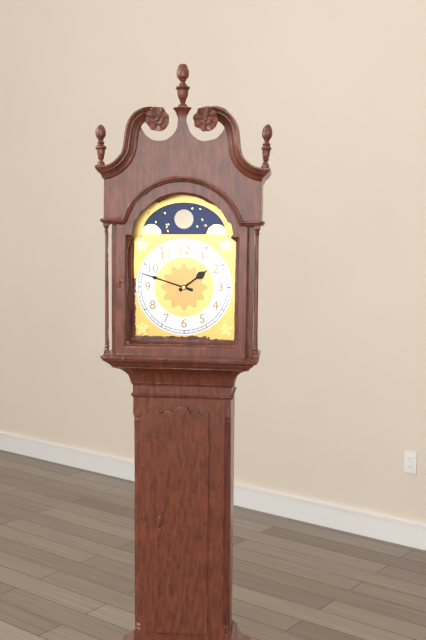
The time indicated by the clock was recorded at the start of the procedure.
1:48
